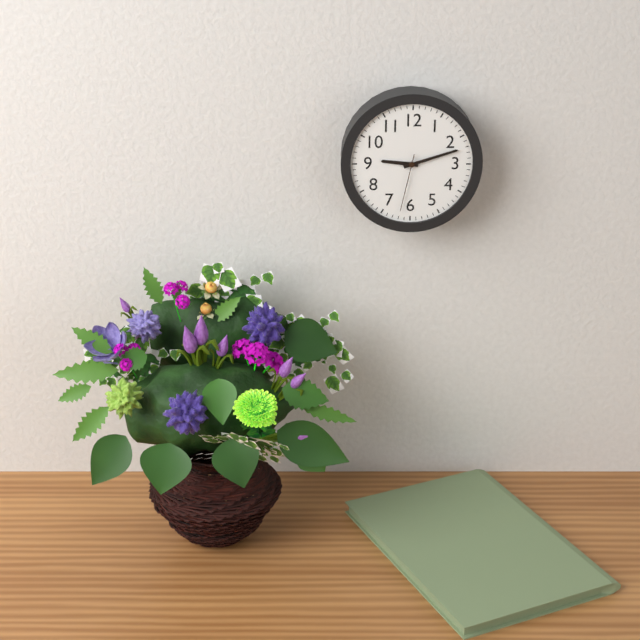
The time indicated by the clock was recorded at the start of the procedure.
9:12:32
